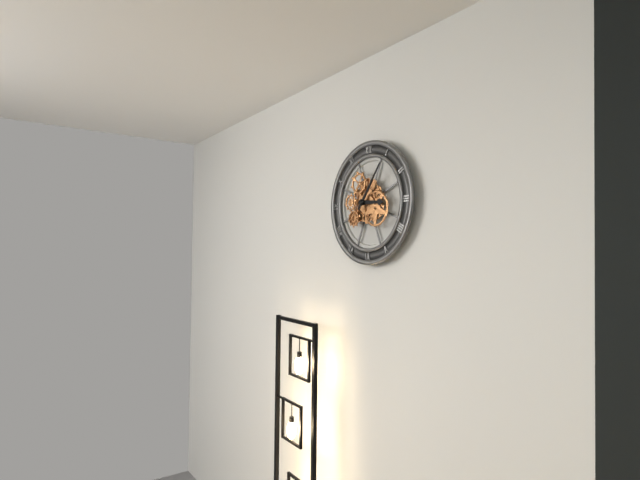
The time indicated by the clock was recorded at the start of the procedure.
3:06
